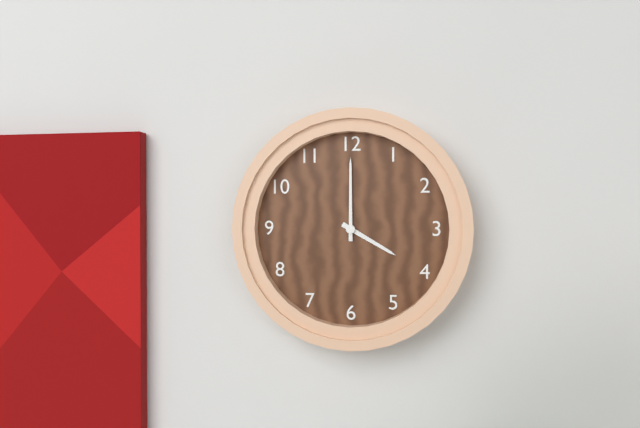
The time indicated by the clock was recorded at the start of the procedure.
4:00
